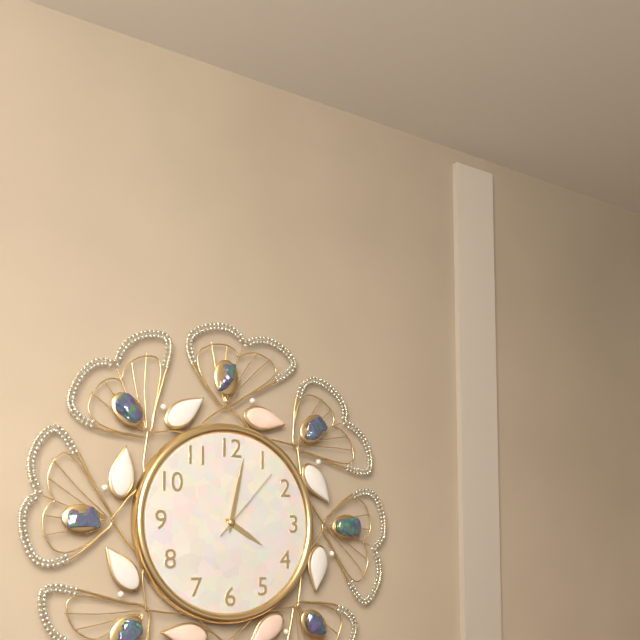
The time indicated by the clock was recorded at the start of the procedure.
4:02:07
